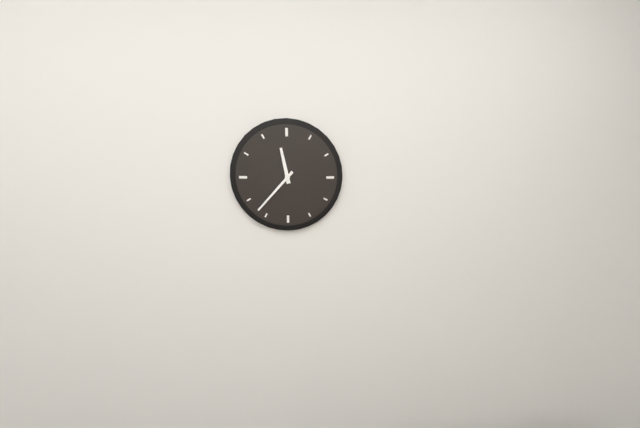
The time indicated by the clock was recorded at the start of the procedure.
11:37
